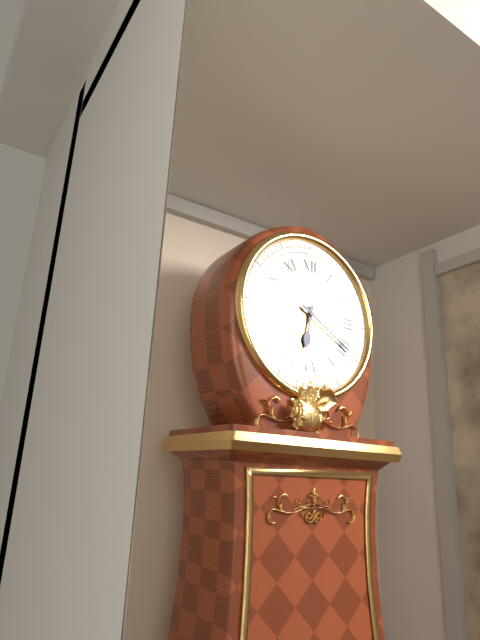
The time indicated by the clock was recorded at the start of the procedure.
6:20
